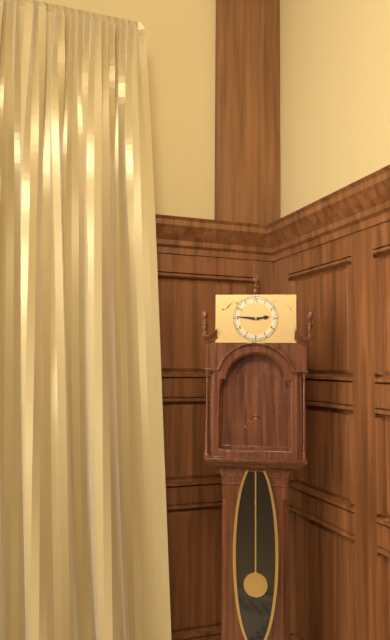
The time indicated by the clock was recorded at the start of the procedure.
2:46
